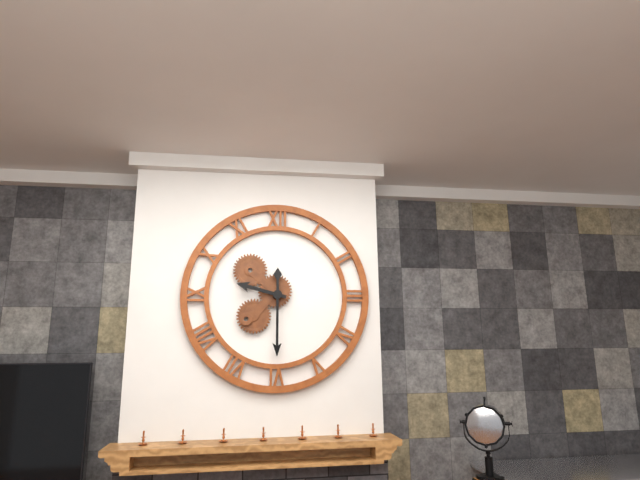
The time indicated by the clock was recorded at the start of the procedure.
9:30
